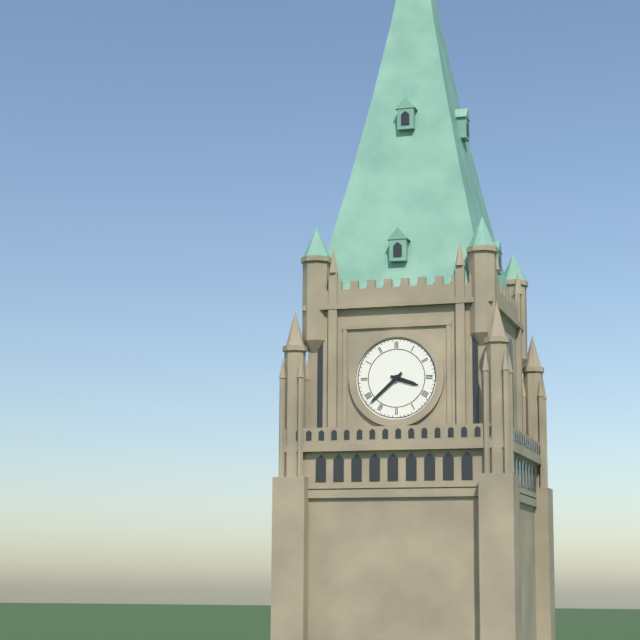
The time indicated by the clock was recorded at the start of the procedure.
3:38
